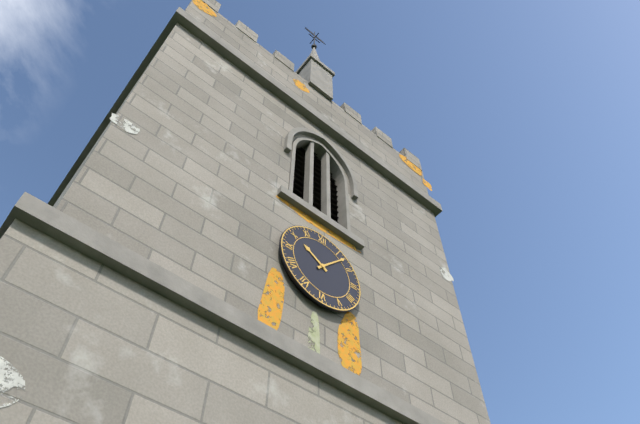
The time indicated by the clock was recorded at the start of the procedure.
10:07
